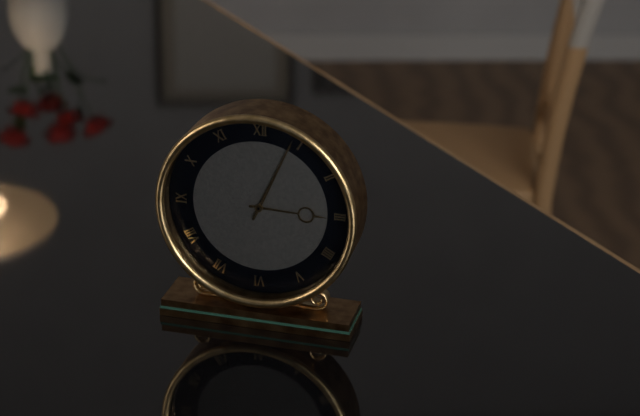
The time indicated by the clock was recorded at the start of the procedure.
3:04
